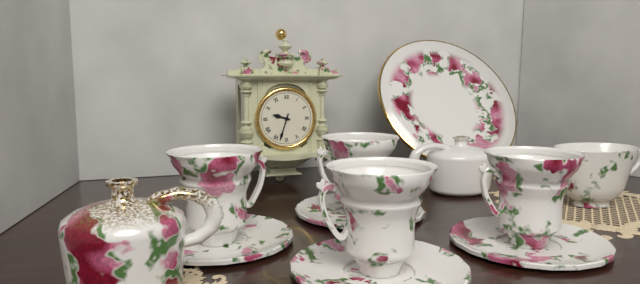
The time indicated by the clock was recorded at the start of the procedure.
9:33
